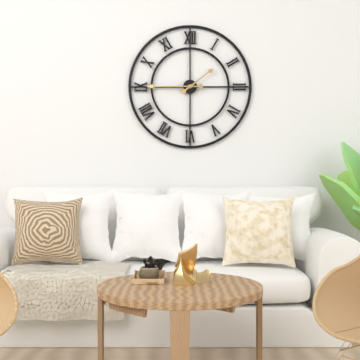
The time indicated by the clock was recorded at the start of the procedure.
1:45
